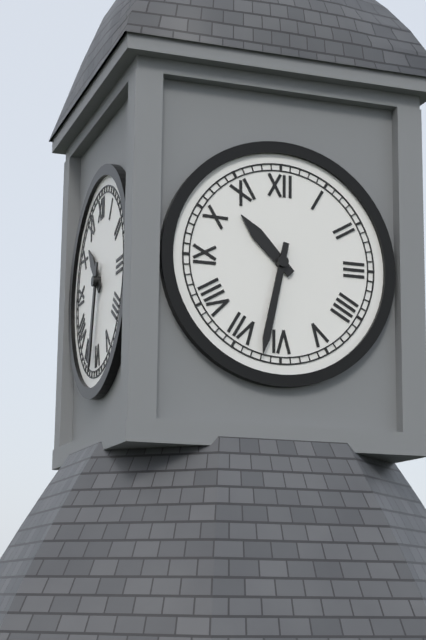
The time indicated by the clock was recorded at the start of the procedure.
10:32
